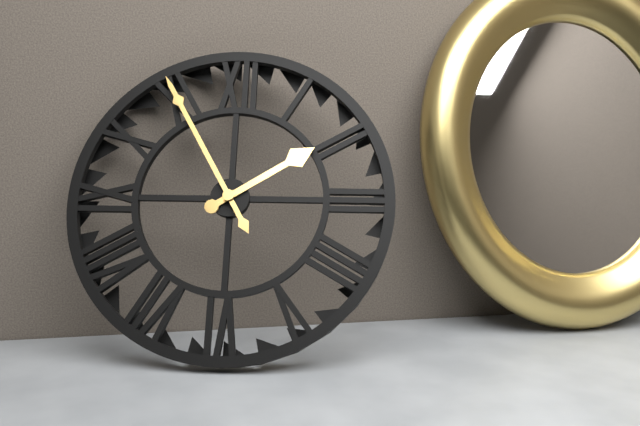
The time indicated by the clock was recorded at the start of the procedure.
1:55
